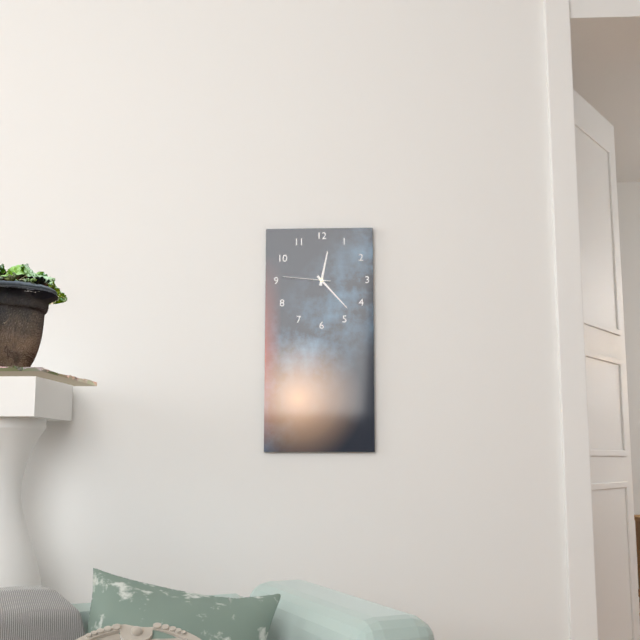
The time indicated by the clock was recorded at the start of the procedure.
12:23
